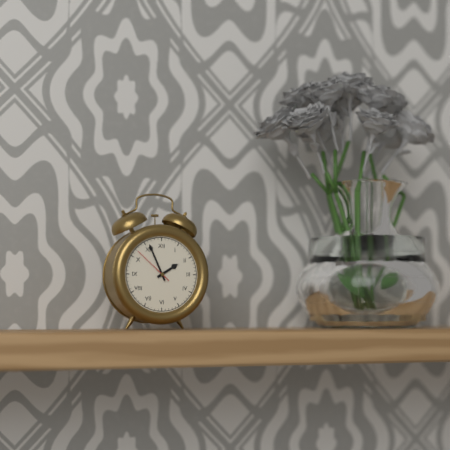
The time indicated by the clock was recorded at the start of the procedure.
1:56
